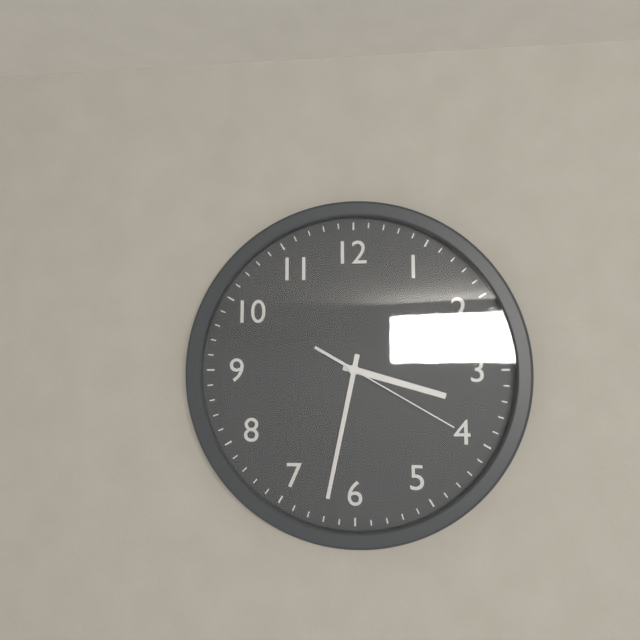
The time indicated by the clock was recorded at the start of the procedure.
3:32:20
